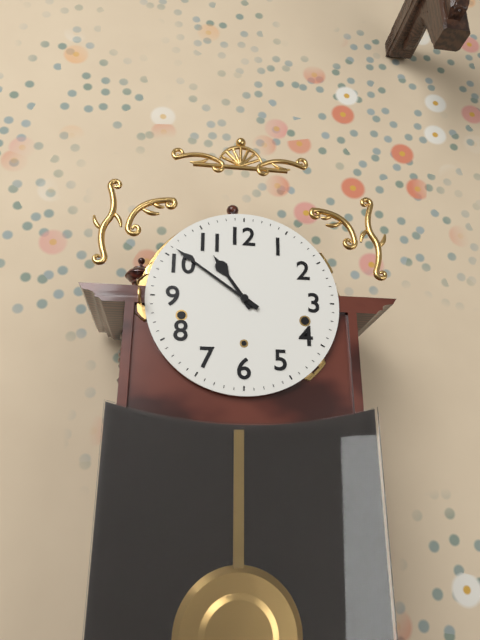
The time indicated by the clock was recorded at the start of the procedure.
10:51
